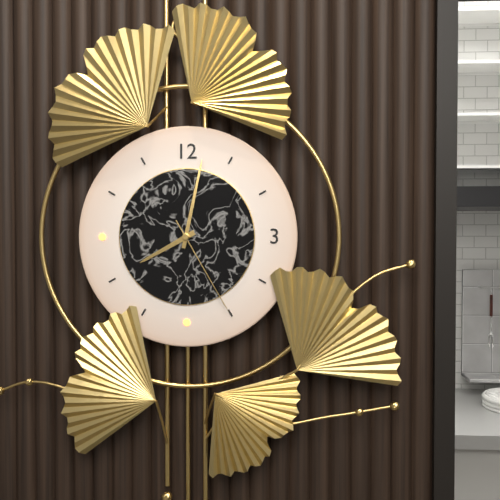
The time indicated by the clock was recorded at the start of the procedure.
8:02:25
